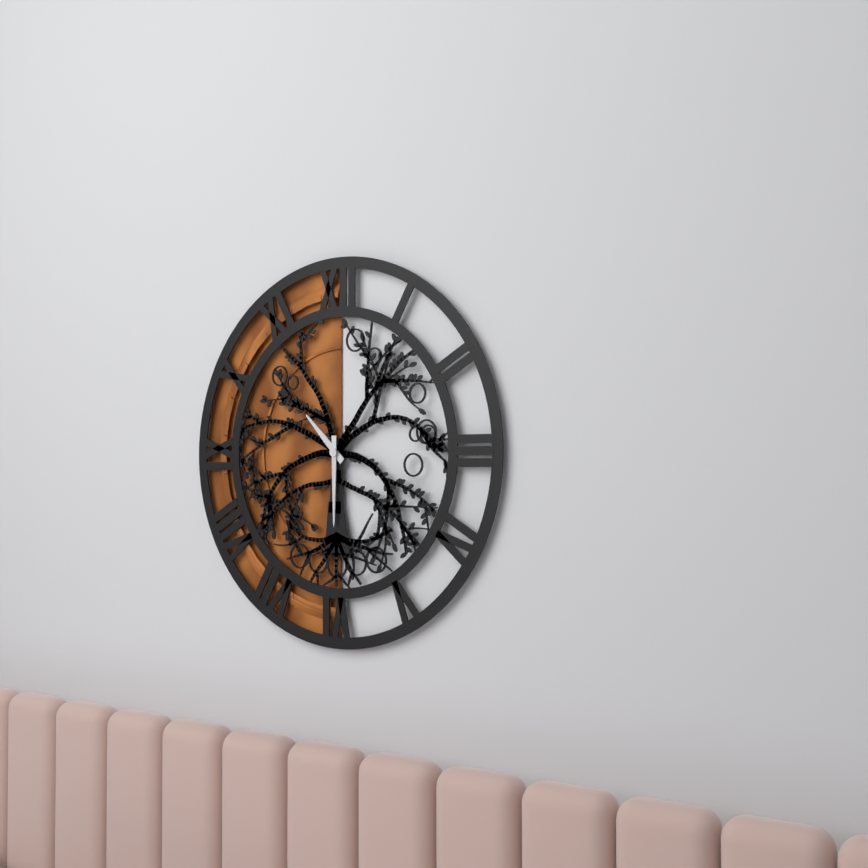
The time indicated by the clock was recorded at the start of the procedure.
10:30
